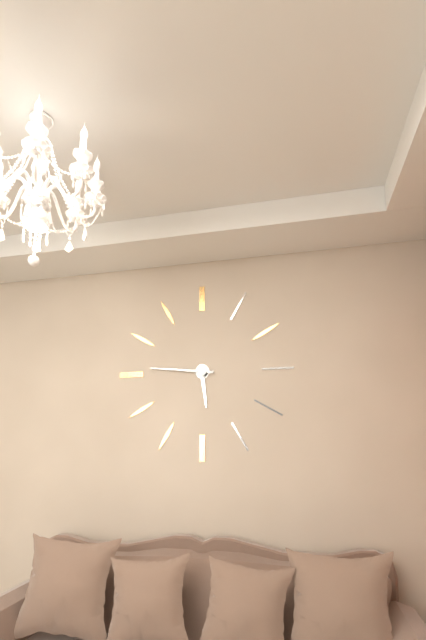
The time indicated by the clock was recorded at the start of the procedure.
5:46
